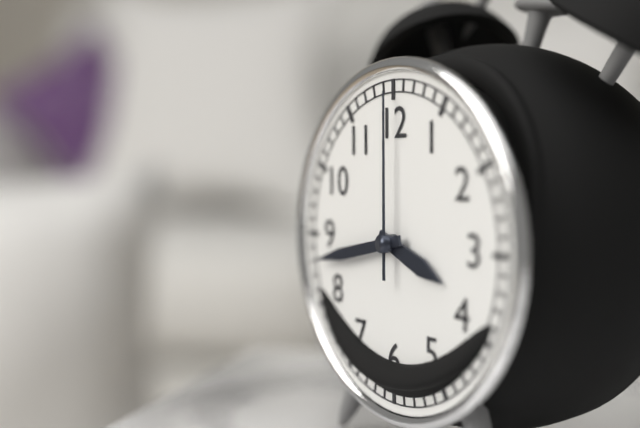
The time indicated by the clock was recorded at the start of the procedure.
3:43:00
